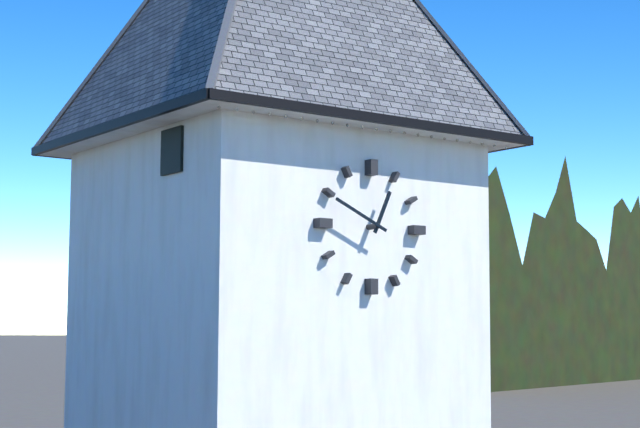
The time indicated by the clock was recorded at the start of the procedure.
12:49
